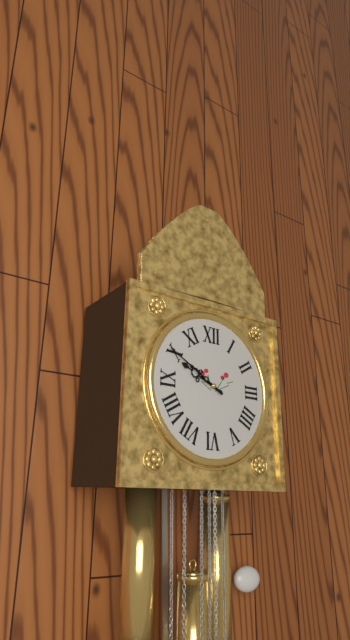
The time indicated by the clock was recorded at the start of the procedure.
9:50
